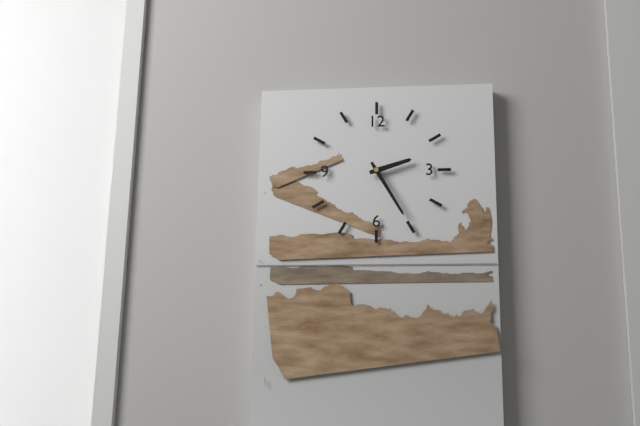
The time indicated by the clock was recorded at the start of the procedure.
2:25
